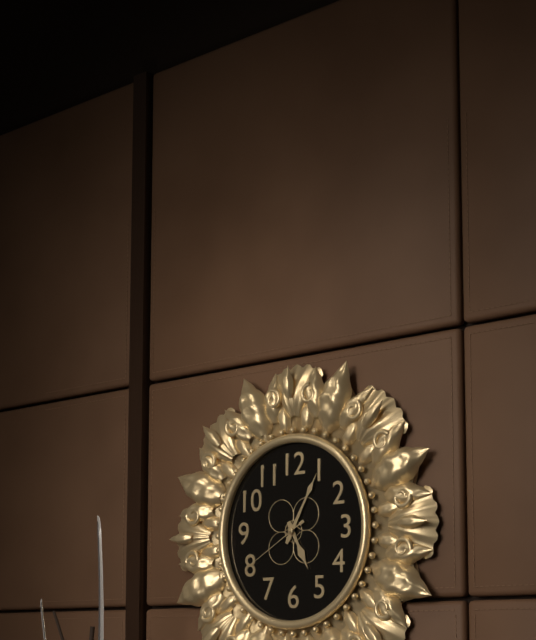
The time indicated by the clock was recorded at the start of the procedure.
5:05:40
